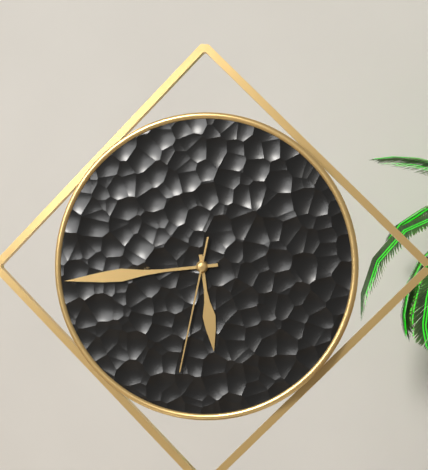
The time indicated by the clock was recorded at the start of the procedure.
5:44:32
